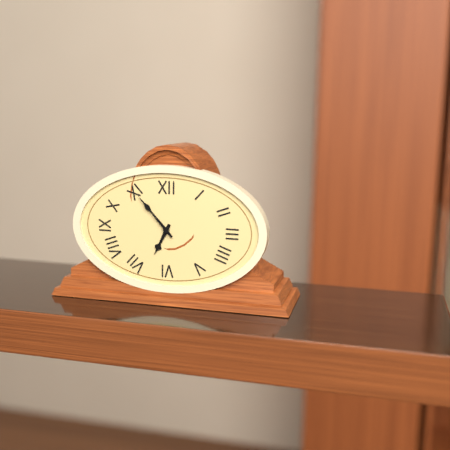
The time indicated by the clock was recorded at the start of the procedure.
6:53
